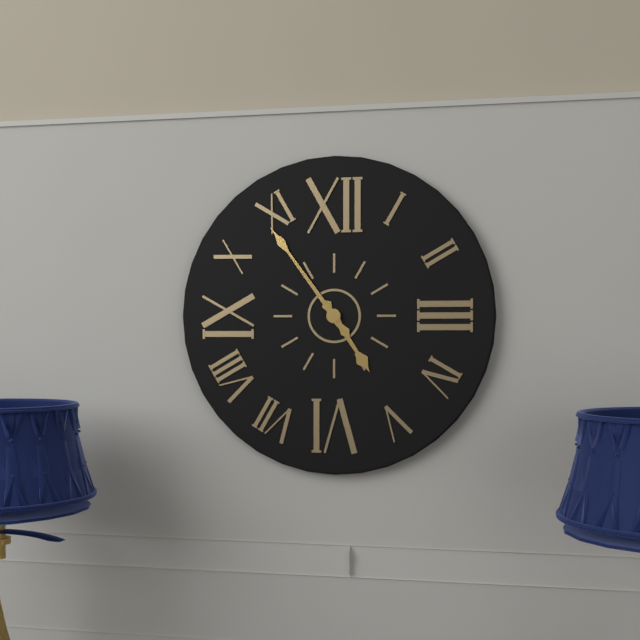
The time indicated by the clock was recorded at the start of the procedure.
4:54
